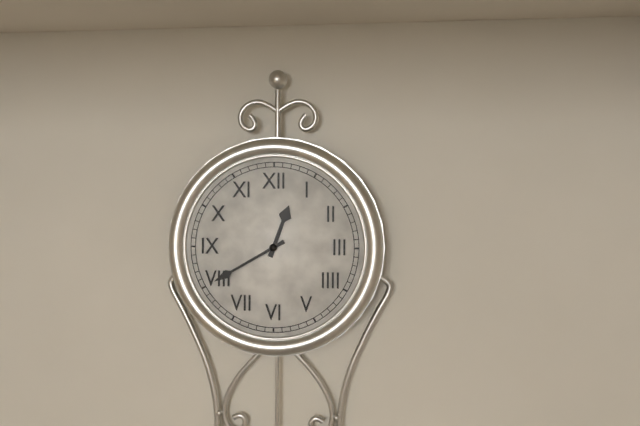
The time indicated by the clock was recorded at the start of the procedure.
12:40
